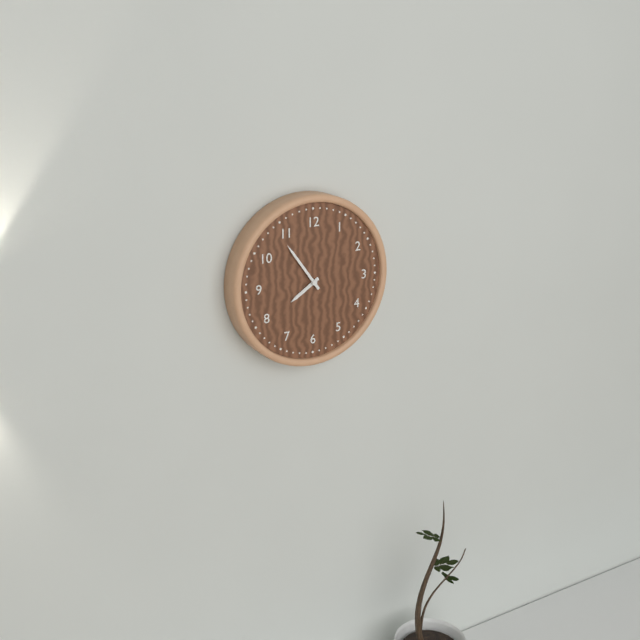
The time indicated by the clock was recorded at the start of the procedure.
7:54
